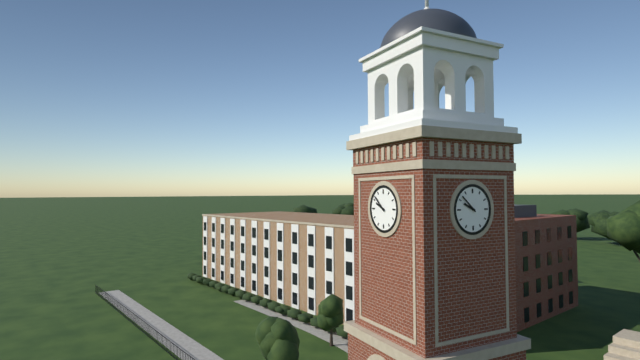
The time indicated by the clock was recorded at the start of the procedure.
9:52
